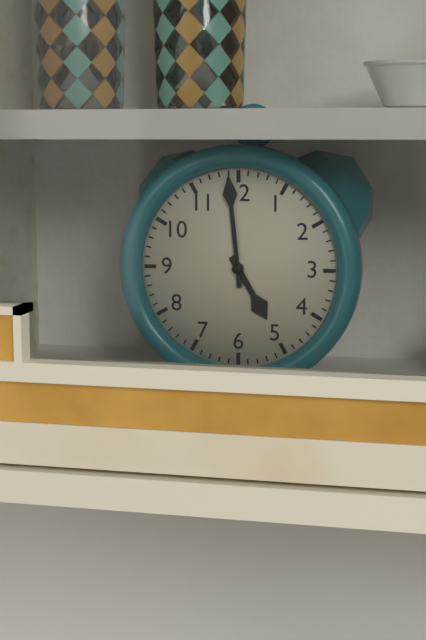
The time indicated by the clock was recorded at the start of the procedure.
4:59
